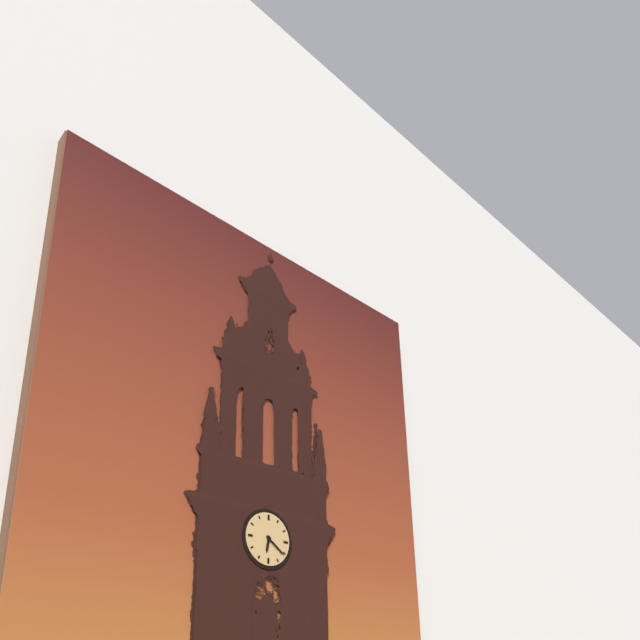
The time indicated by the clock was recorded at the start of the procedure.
6:21
